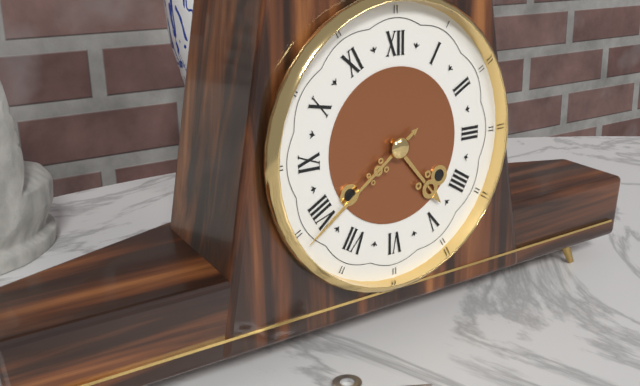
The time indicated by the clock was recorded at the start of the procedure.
4:39
